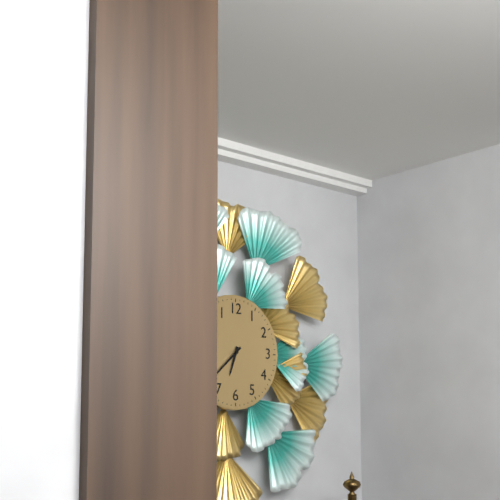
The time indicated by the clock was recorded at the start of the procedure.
6:38
